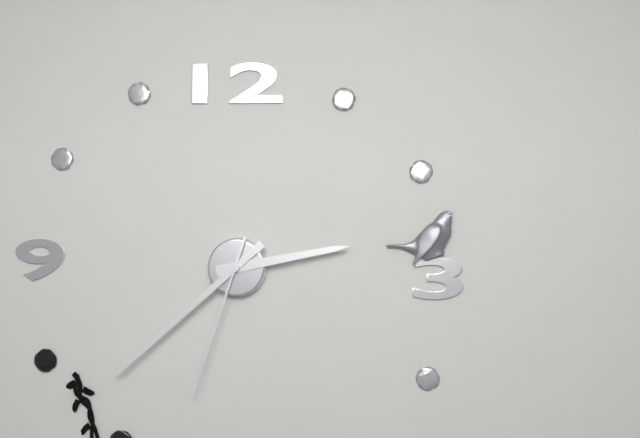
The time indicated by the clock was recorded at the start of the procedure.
2:38:33
